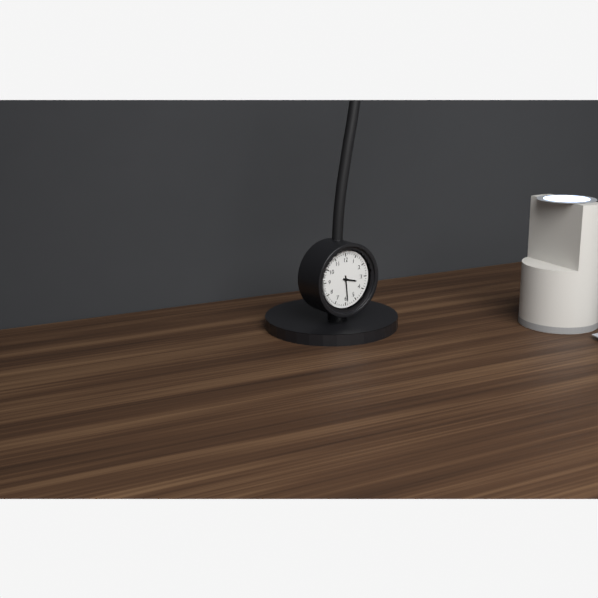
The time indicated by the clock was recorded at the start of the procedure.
3:29
